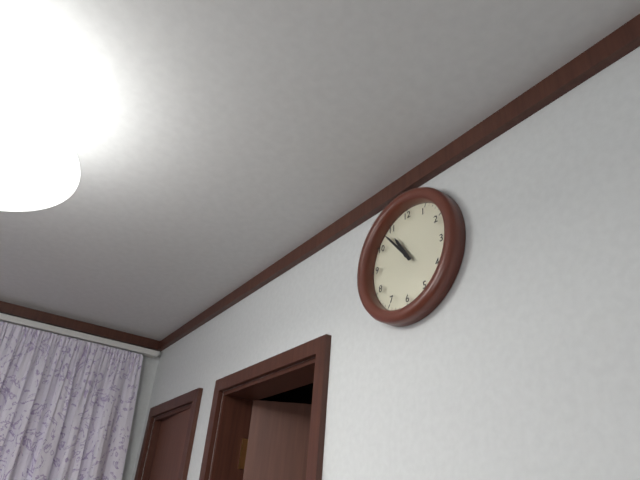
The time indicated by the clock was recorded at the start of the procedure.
10:53
